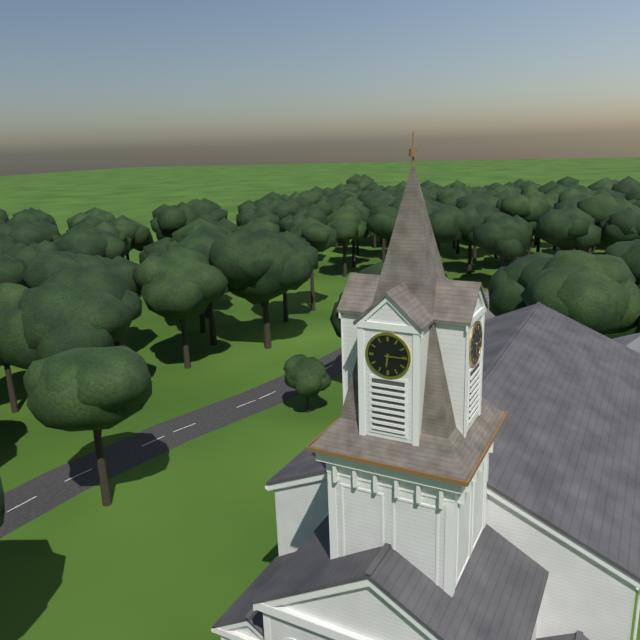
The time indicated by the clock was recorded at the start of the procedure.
6:15
